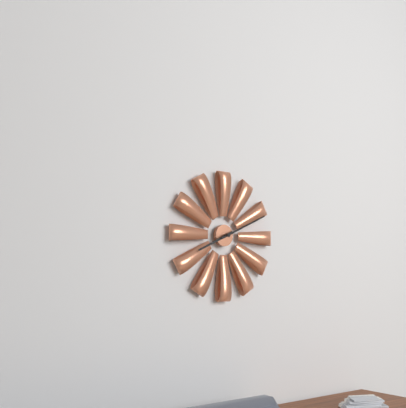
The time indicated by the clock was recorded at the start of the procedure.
8:11
